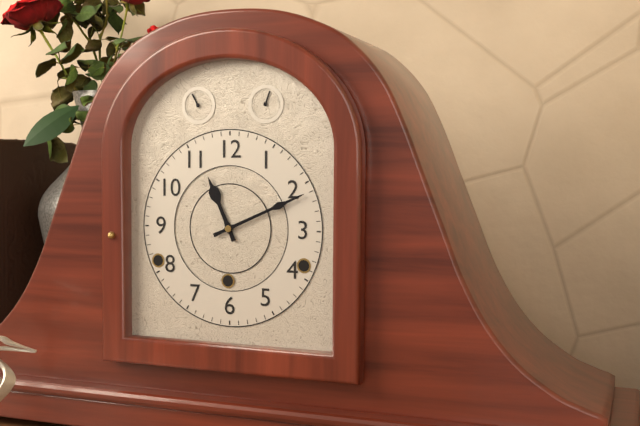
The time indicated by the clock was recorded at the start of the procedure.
11:11
